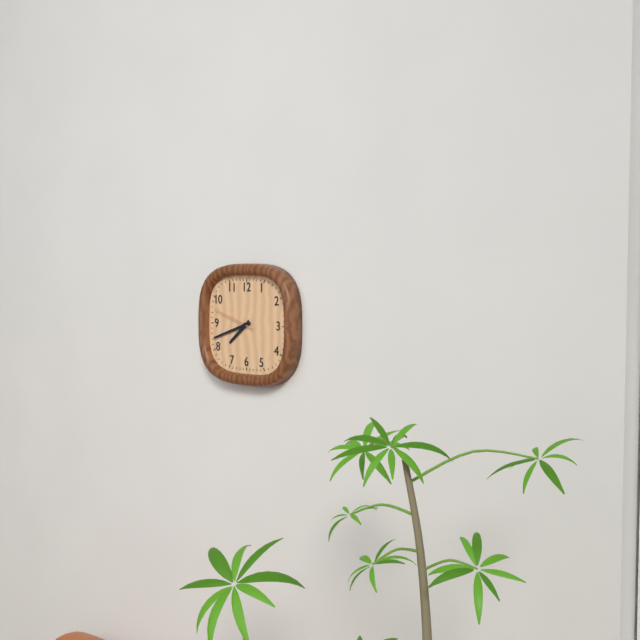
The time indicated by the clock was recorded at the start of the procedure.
7:42
